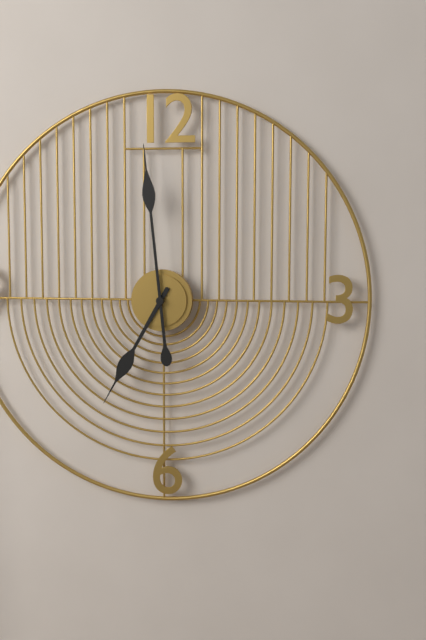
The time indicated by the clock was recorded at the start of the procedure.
6:59
